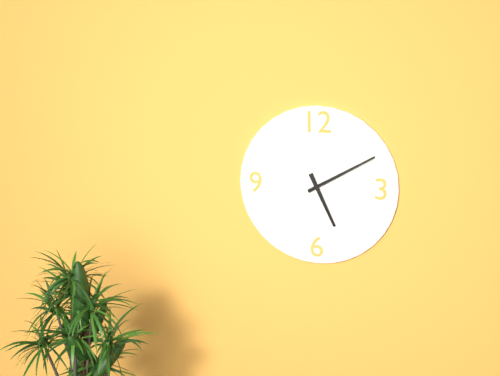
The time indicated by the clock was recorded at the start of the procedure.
5:10
